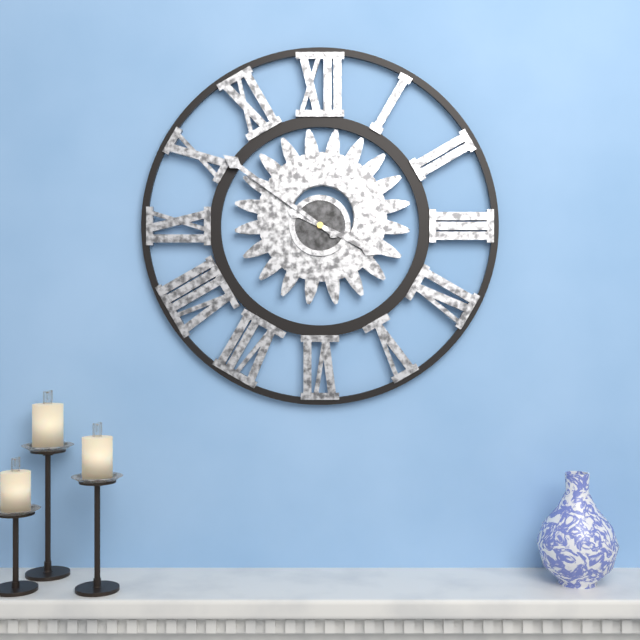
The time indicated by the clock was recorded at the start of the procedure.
3:51
